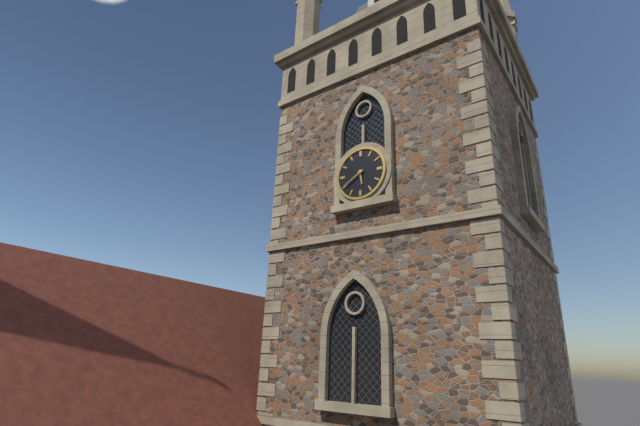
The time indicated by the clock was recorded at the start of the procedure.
5:40
